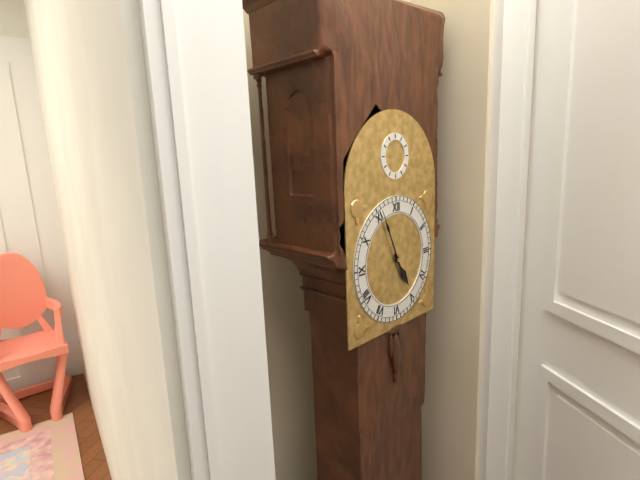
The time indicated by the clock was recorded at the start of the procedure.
4:56
